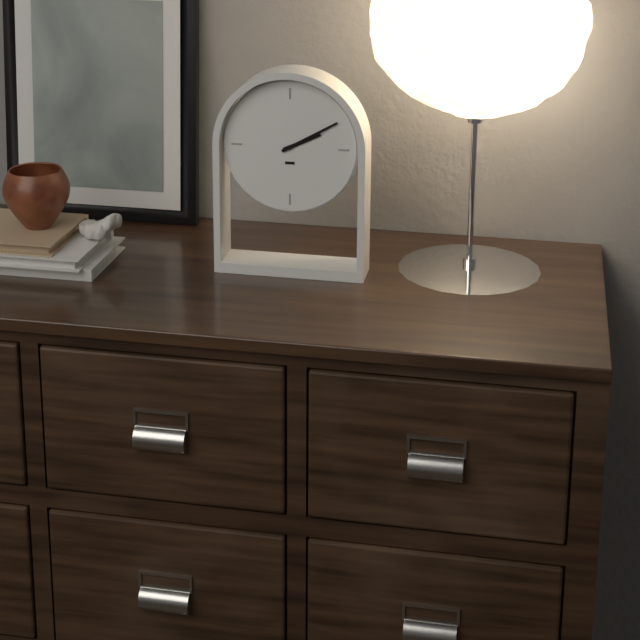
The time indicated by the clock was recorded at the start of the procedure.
2:10
